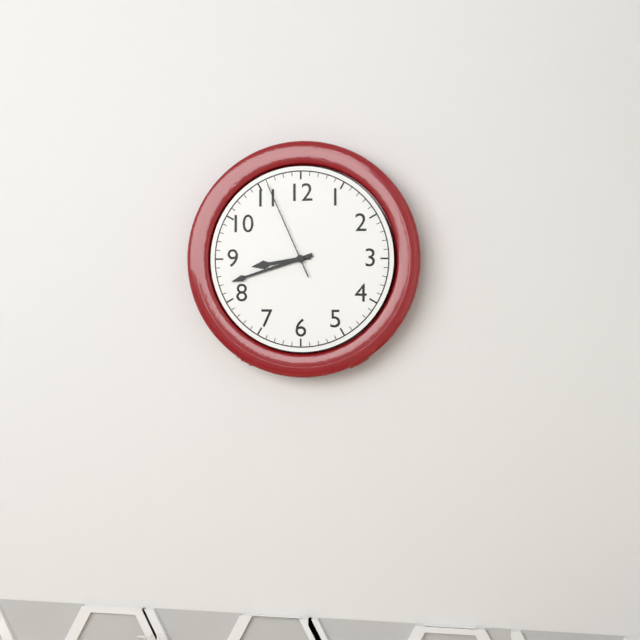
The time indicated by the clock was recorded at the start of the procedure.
8:42:56
